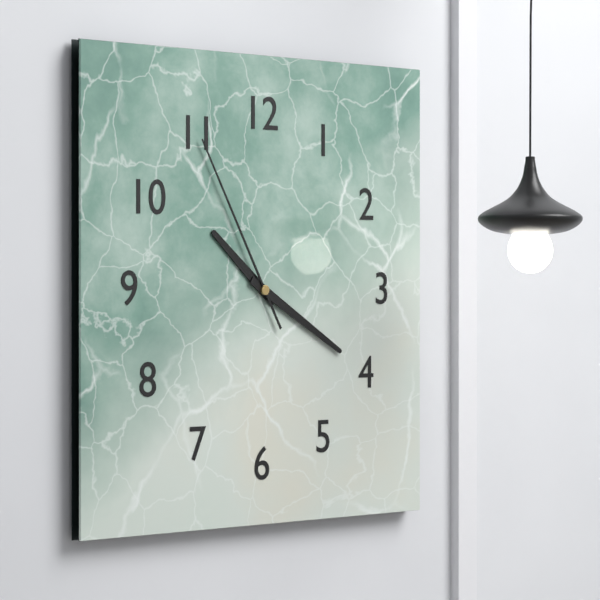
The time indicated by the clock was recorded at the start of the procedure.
10:20:55
